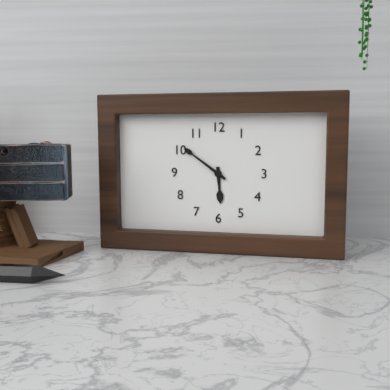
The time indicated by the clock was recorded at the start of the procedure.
5:51
